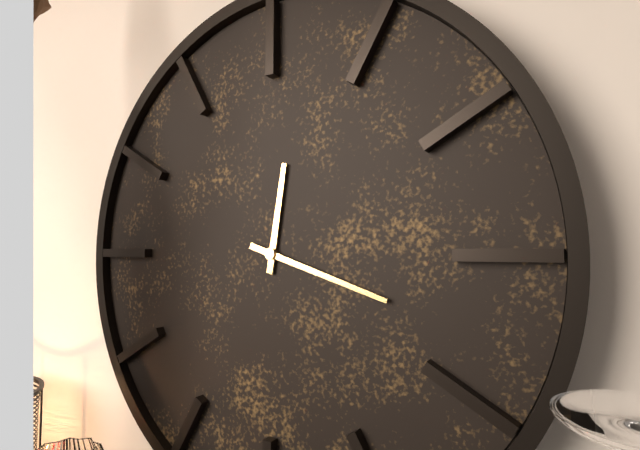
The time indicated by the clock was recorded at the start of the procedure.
12:18
